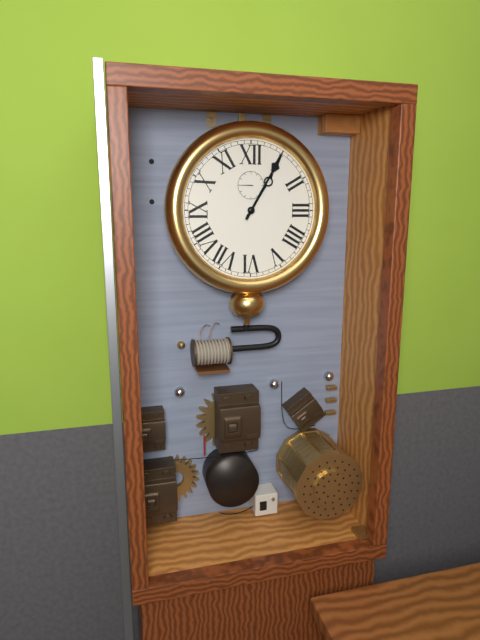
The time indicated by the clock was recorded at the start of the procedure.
1:05
